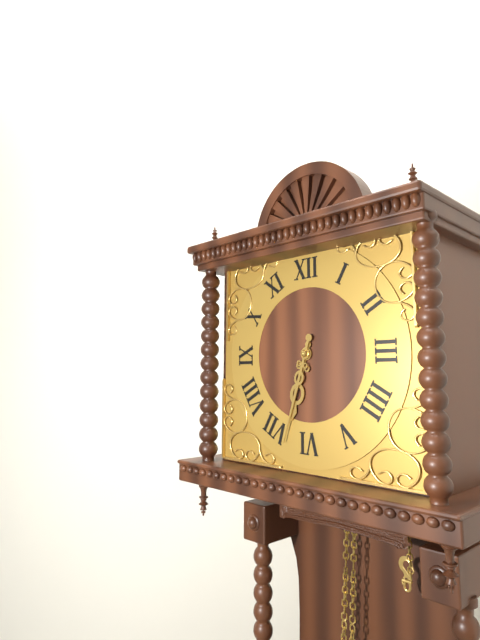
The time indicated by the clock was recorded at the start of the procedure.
6:33
